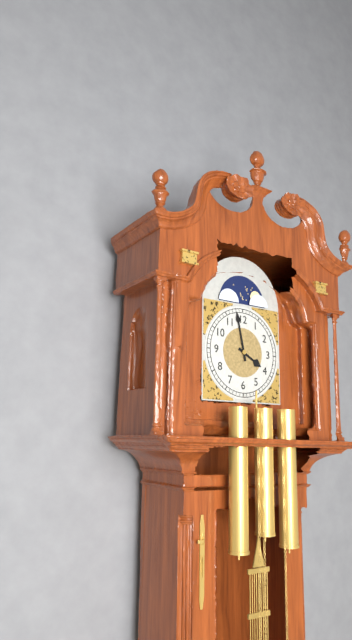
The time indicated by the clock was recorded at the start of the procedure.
3:58
